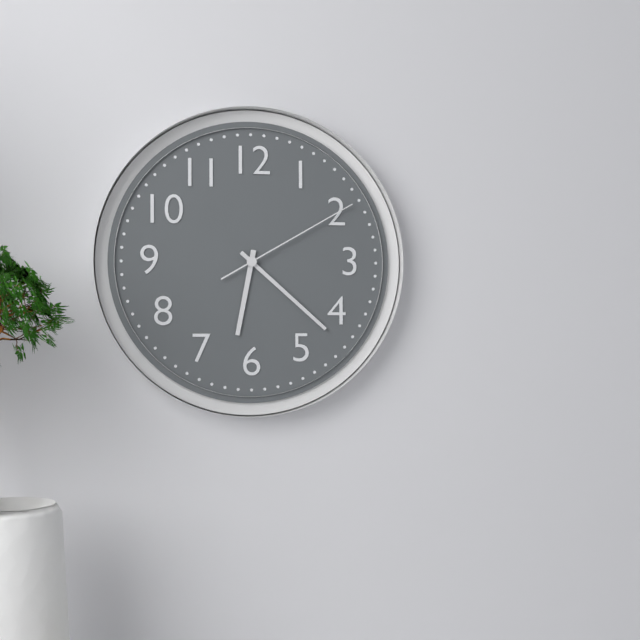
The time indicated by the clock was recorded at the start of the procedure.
6:22:10
